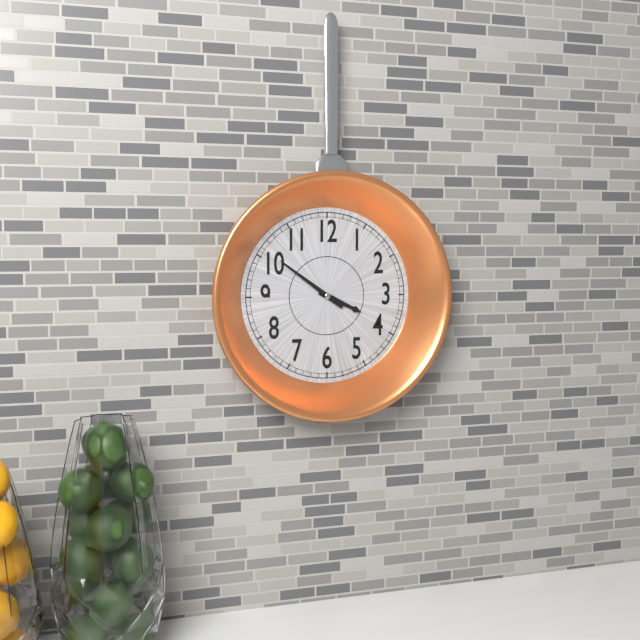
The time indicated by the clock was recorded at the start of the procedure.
3:51
